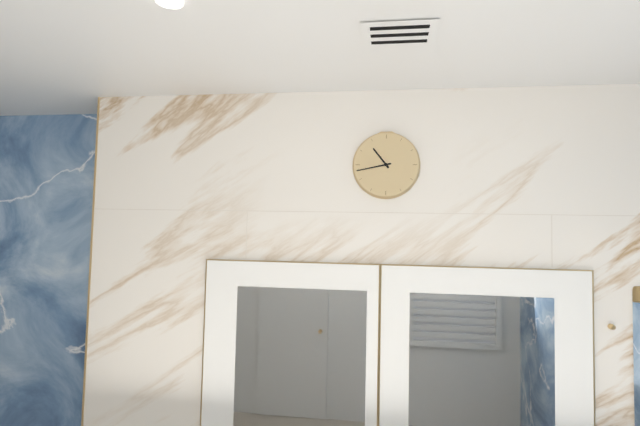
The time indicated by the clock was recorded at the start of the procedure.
10:43
